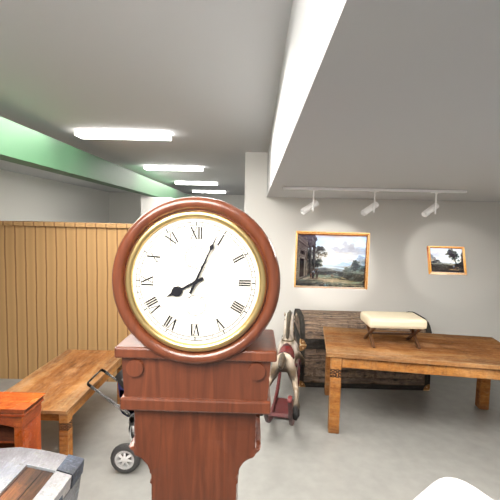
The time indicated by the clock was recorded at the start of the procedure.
8:04
